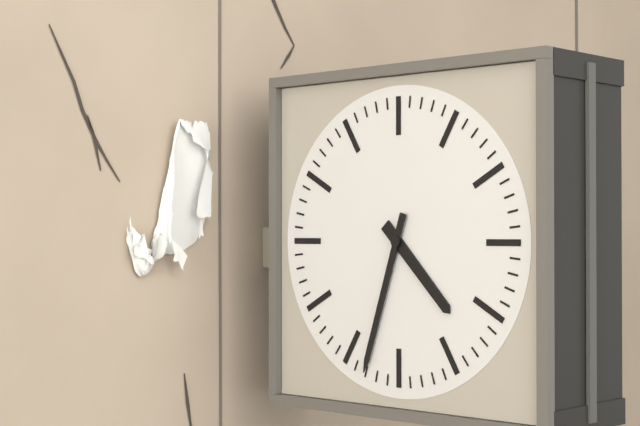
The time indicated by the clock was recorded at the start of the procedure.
4:33
